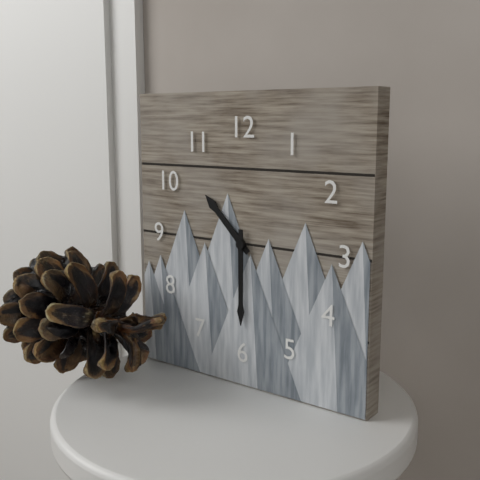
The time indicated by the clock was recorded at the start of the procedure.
10:30
